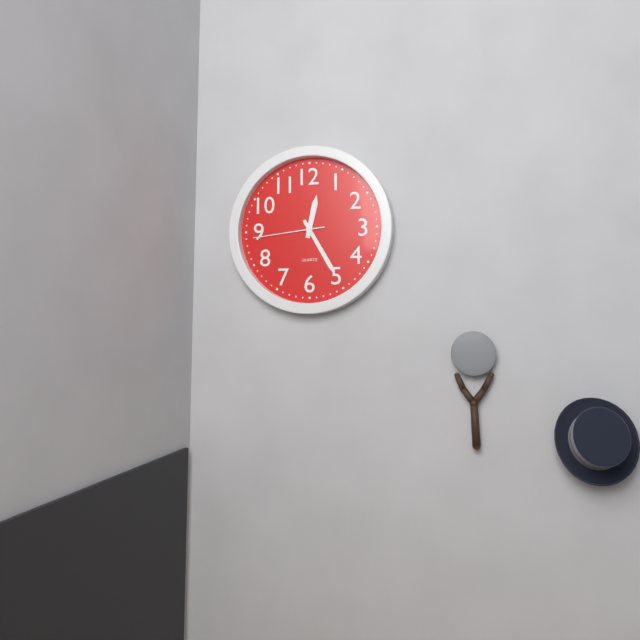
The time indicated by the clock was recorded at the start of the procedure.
12:25:44
